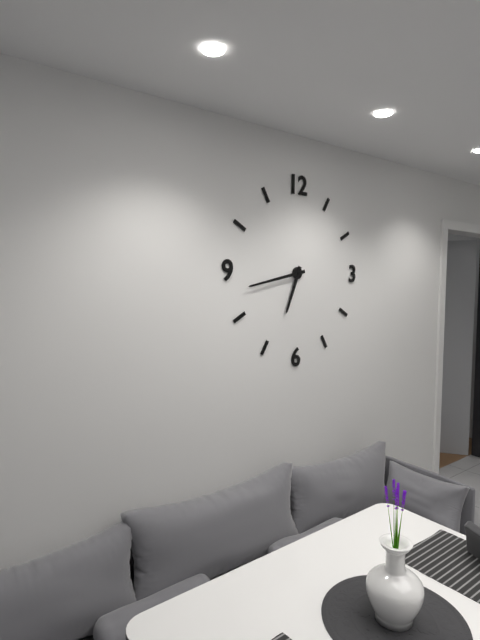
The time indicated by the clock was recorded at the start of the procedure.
6:43
